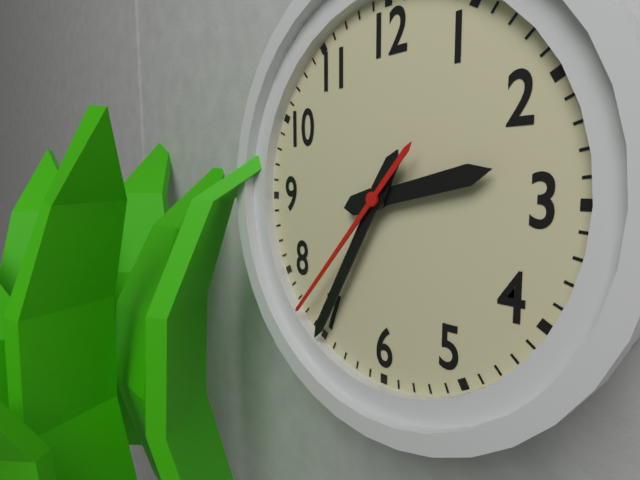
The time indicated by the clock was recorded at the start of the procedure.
2:35:37
